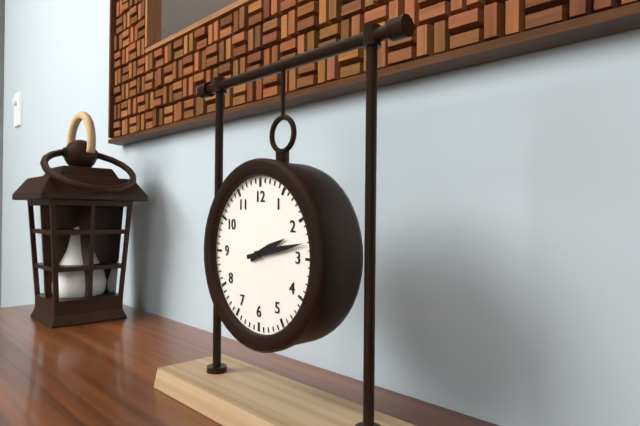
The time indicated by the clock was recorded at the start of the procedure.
2:13
